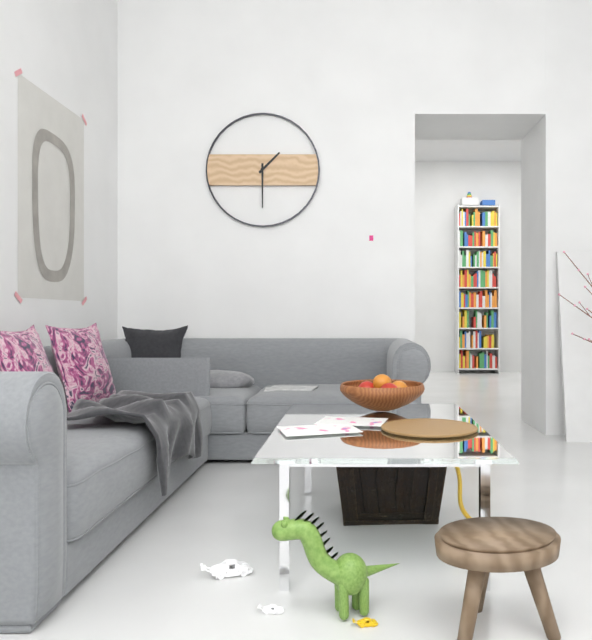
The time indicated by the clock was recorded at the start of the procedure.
1:30
